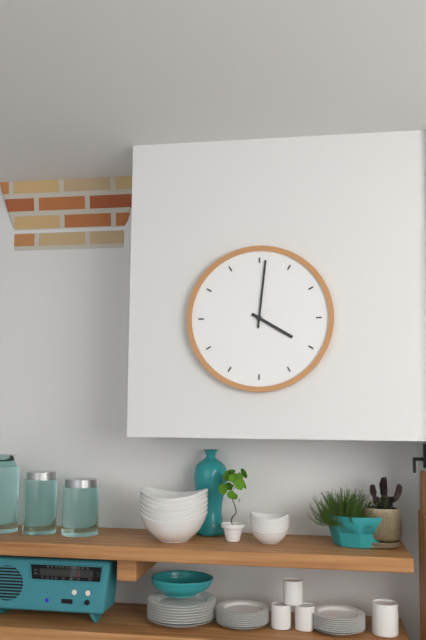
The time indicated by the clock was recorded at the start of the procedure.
4:01
